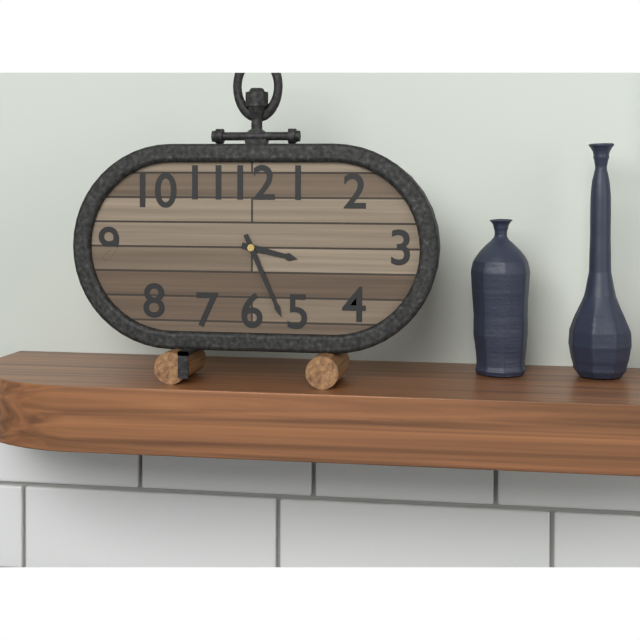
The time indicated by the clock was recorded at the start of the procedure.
3:26
